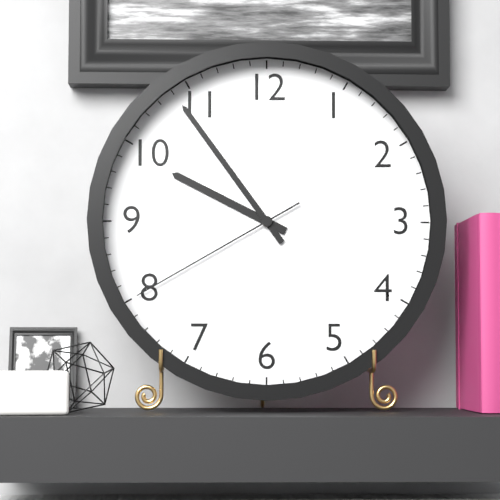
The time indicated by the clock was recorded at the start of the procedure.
9:54:40
